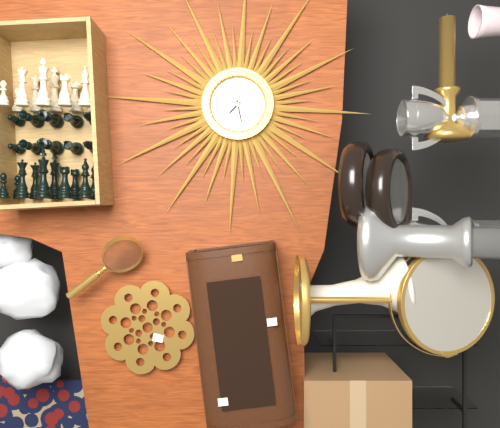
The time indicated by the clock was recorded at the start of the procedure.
7:28
